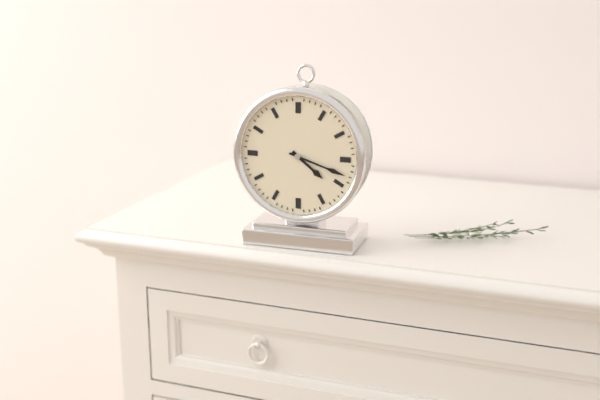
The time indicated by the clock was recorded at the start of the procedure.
4:18
